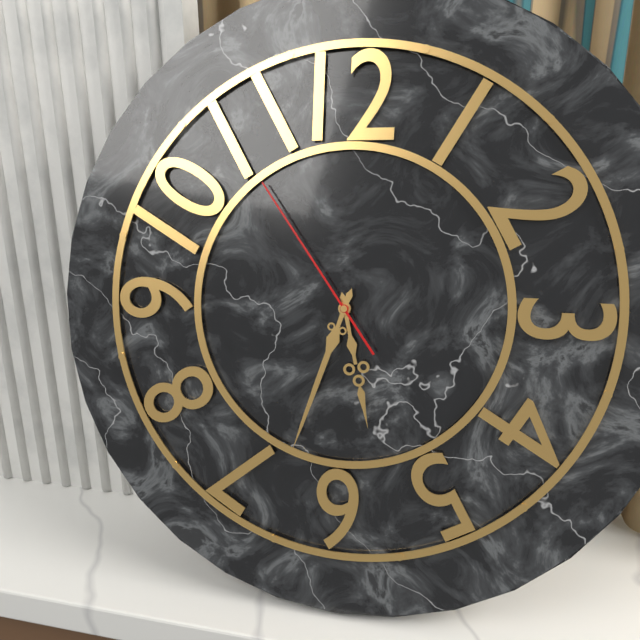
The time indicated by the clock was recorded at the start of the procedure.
5:33:54
